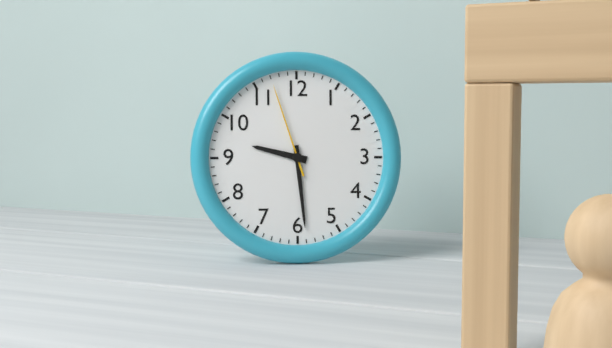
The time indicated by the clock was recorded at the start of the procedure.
9:29:57
